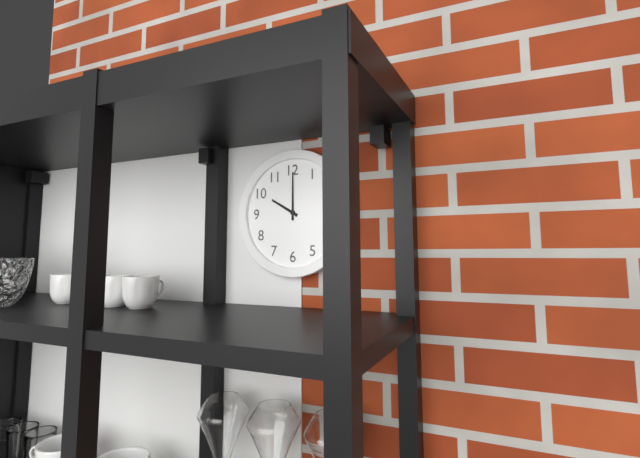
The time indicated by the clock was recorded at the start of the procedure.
10:00
